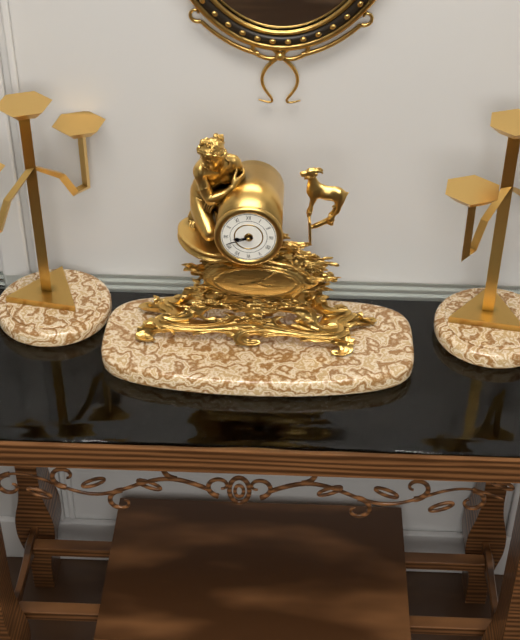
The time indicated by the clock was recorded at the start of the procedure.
8:42
